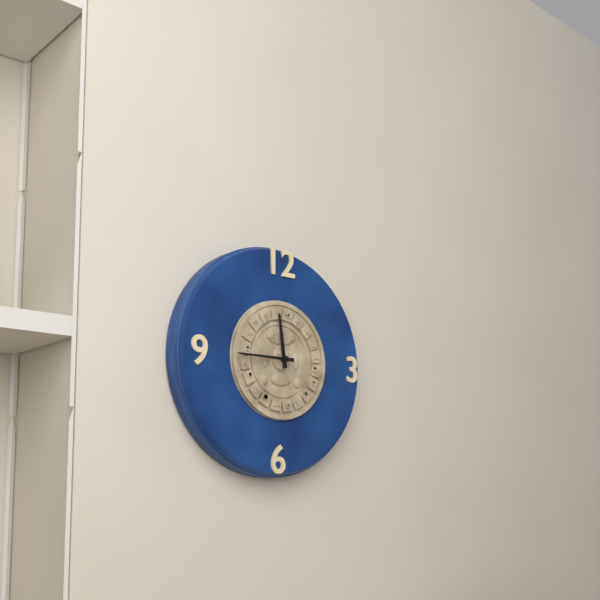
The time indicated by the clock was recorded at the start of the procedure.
11:45
